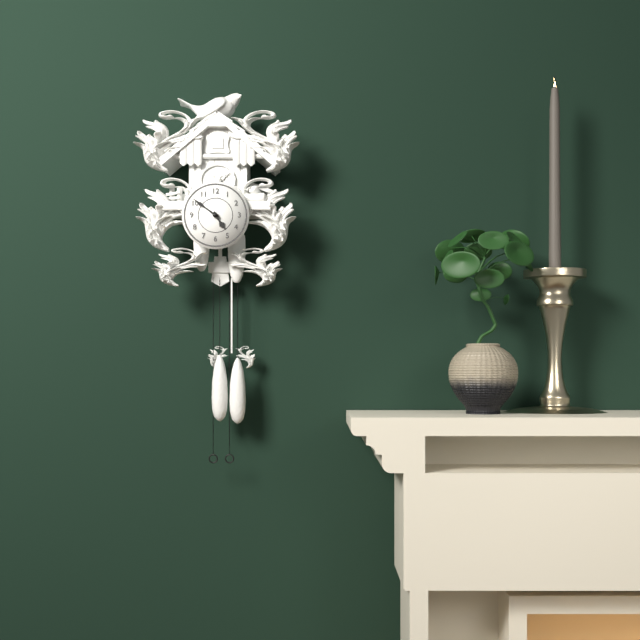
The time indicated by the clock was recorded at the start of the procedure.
4:51
